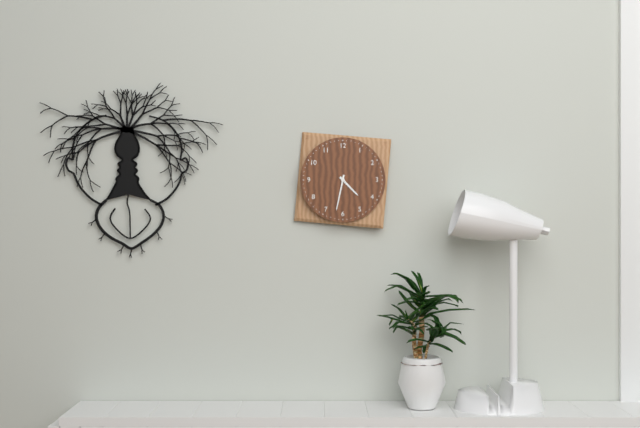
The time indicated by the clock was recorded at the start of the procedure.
4:32
